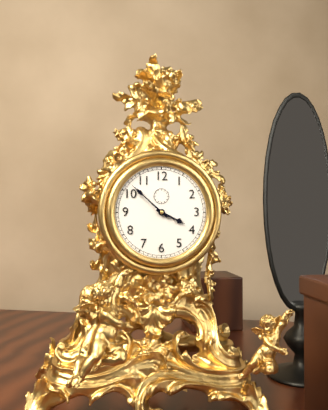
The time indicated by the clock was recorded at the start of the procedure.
3:52
